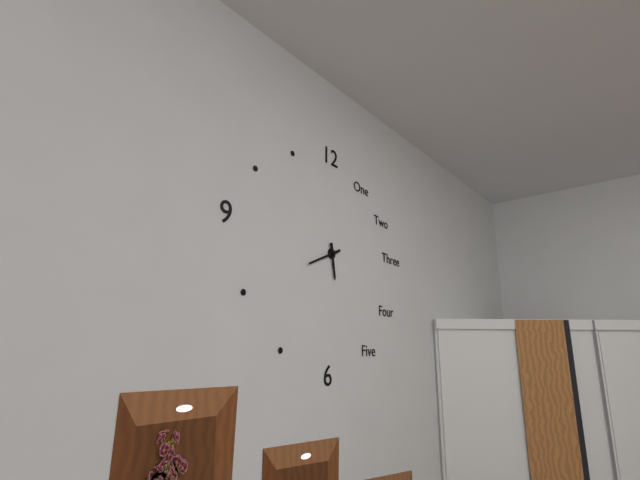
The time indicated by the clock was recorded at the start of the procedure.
5:41
